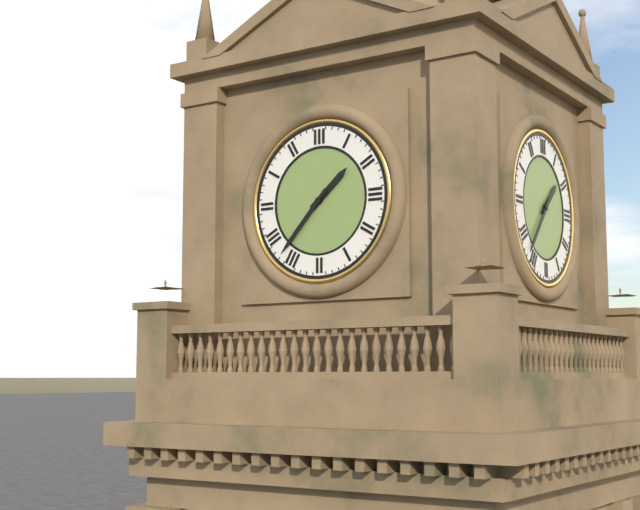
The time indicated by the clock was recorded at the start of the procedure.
1:37
